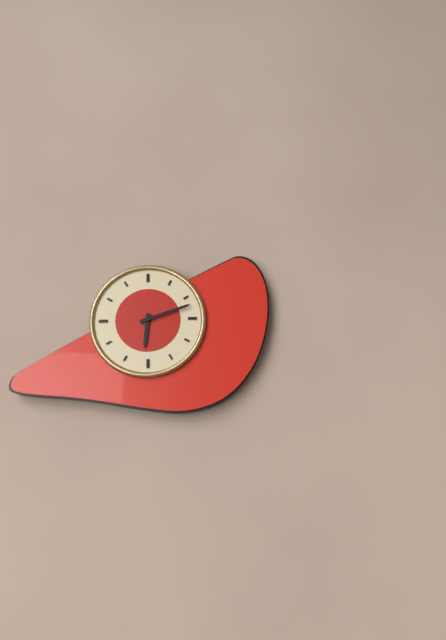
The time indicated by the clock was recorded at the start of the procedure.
6:12
